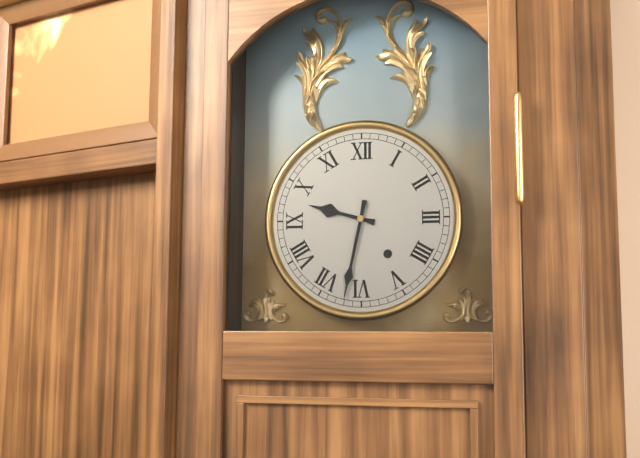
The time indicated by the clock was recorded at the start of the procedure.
9:32
